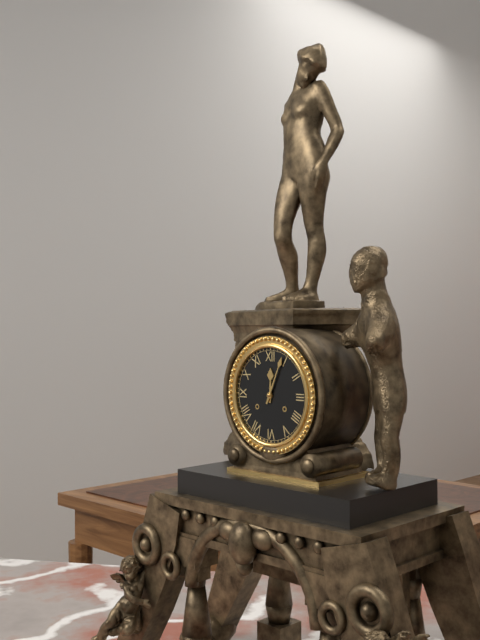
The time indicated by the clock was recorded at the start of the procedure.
12:04
